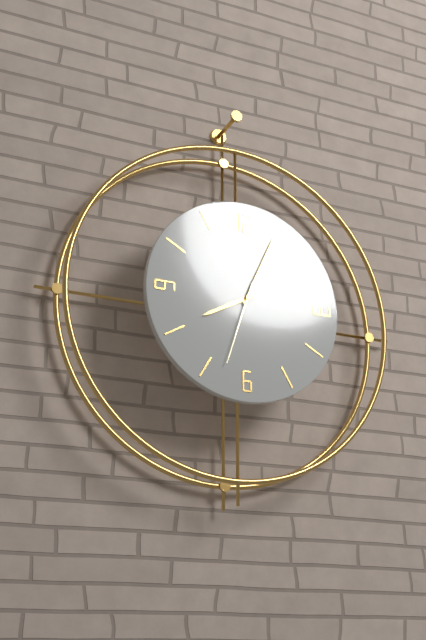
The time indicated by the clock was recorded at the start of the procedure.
8:04:33
